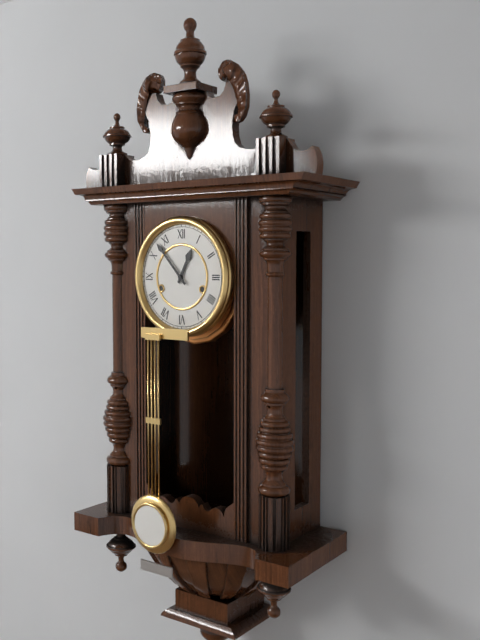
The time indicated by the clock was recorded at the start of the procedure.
12:53
